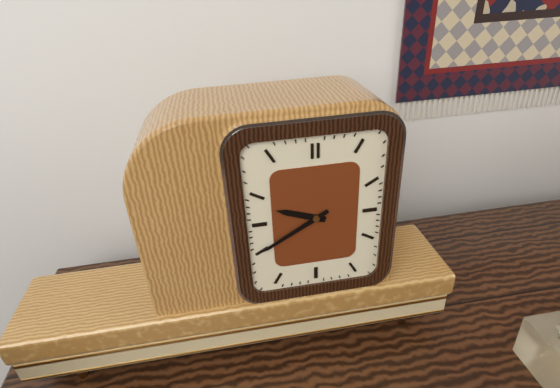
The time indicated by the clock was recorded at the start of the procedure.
9:40
